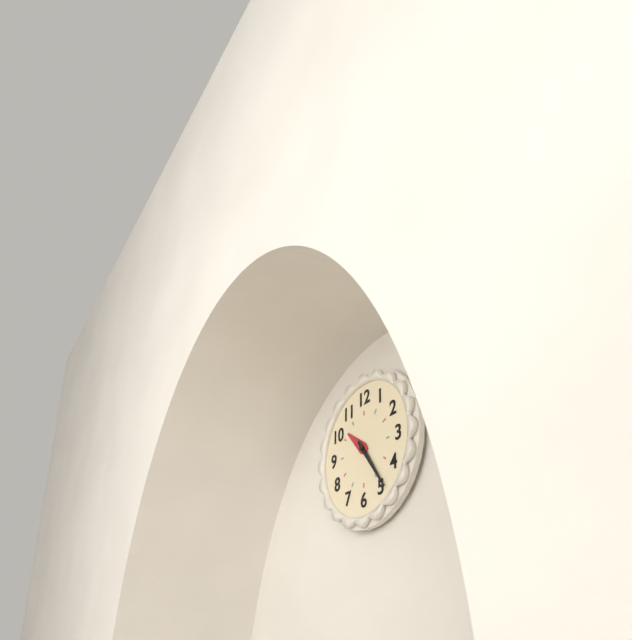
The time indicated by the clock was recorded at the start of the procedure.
10:24
